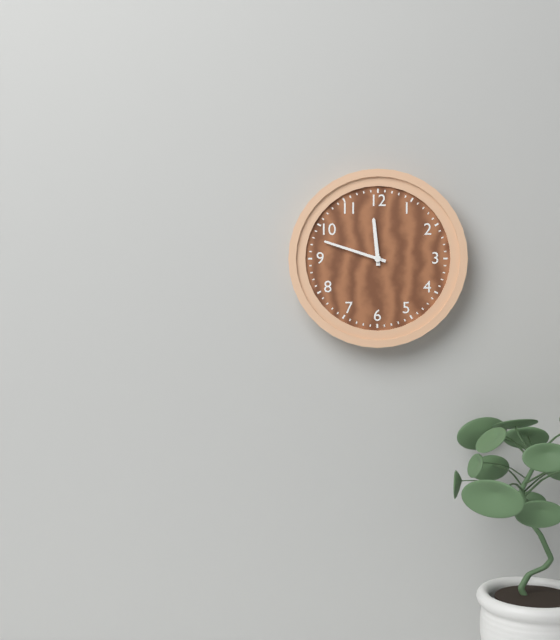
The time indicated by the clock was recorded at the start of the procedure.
11:48
